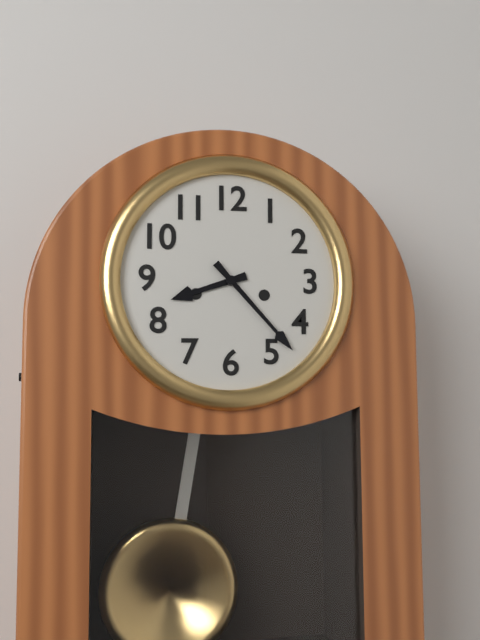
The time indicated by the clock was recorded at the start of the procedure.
8:23
